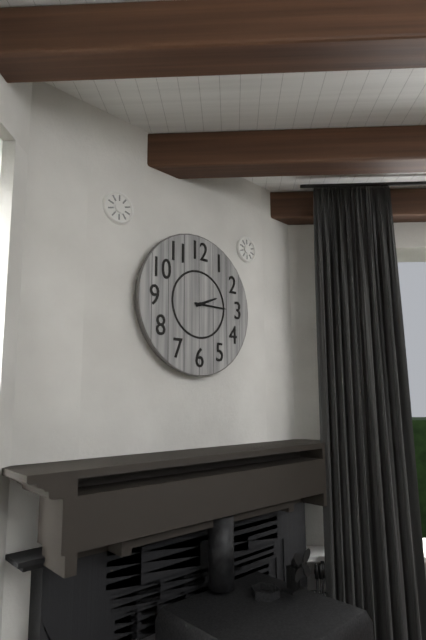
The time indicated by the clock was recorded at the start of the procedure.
2:15
